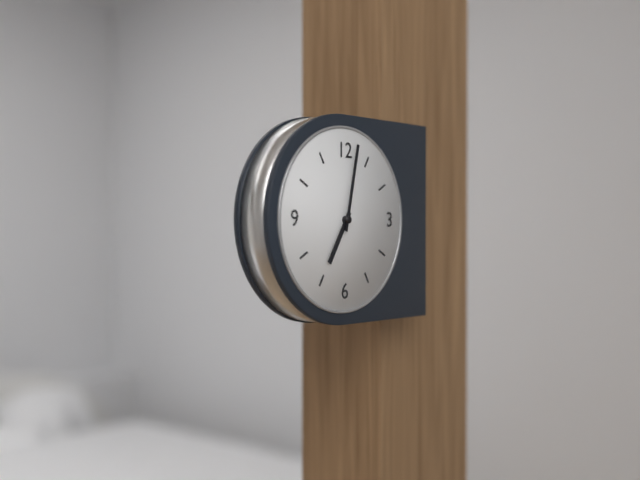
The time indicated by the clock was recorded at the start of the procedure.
7:02
